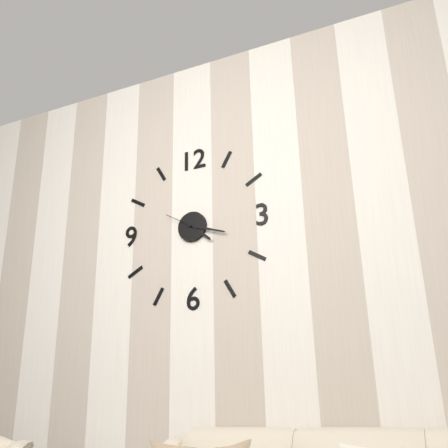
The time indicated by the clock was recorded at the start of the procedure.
4:18
